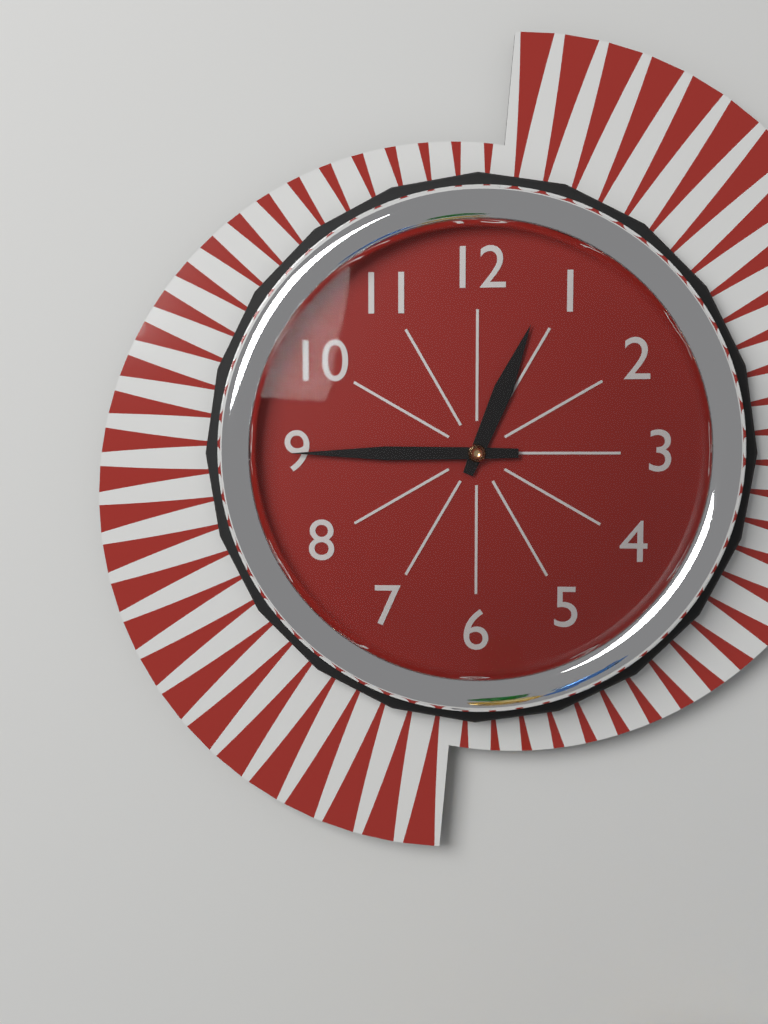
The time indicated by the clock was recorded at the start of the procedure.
12:45
